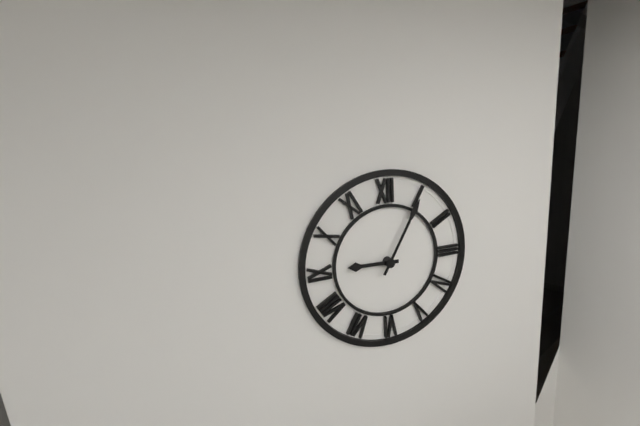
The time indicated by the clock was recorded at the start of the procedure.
9:05
